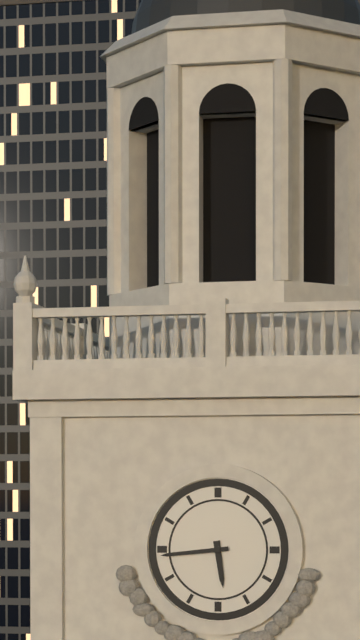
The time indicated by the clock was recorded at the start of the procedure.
5:44
